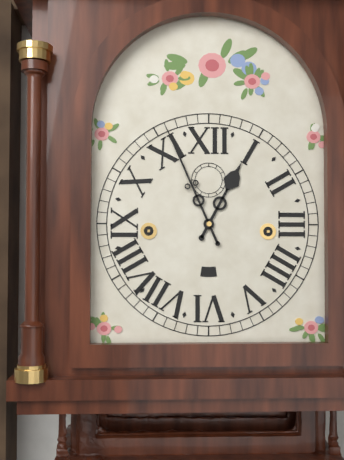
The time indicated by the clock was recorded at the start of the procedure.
12:56
